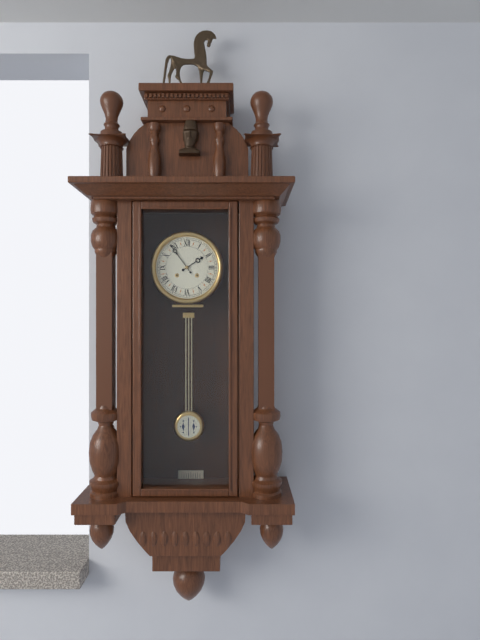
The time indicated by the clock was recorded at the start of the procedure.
1:54
